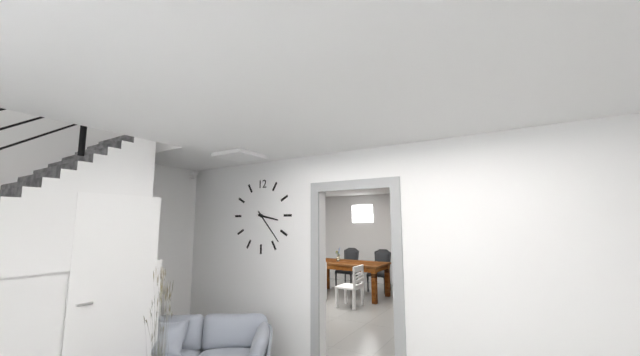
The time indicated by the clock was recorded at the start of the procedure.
3:23
